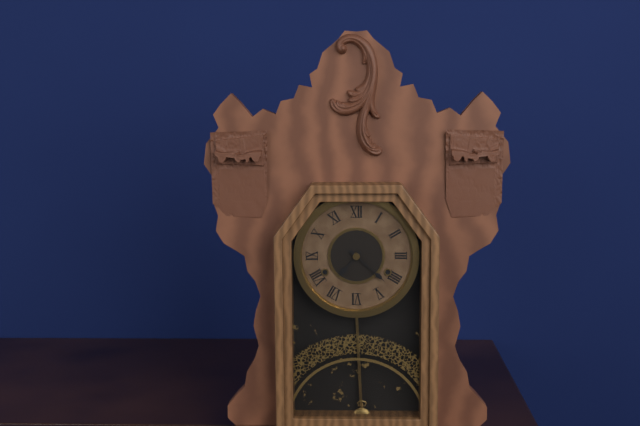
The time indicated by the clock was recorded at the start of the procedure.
7:22
